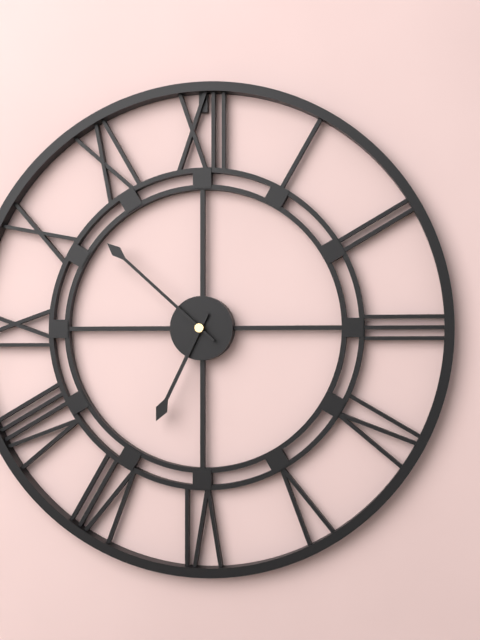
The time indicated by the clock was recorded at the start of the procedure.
6:52
